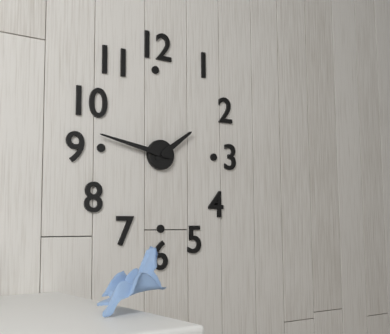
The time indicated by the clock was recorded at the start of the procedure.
1:47
